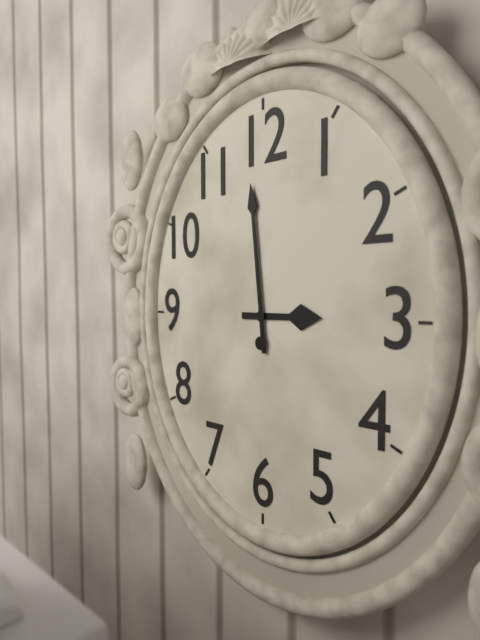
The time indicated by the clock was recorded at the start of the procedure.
2:59
